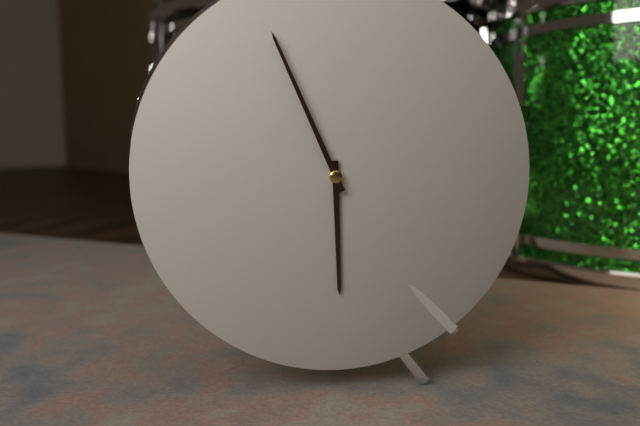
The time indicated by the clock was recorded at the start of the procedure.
5:56
